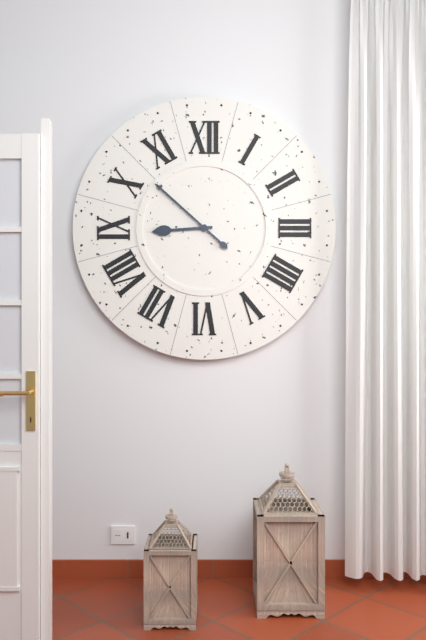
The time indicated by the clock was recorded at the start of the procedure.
8:52
